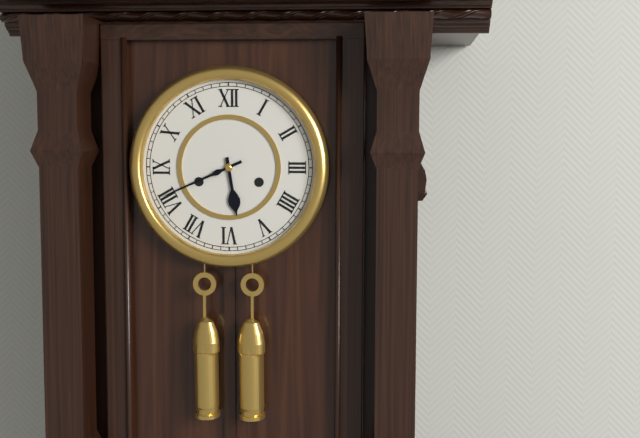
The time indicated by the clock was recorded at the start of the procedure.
5:41
